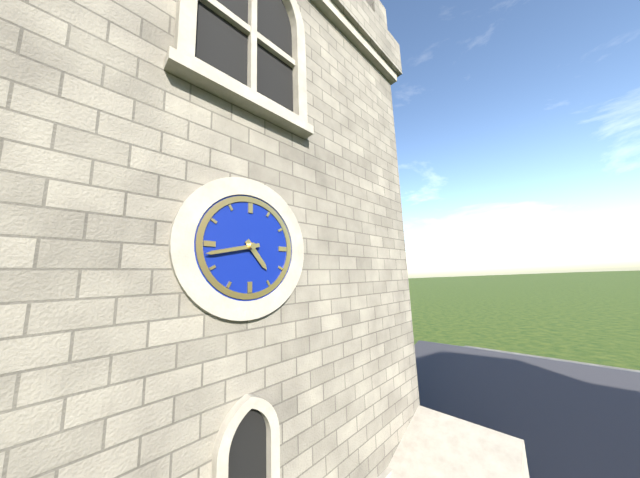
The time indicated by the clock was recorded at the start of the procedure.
4:43
